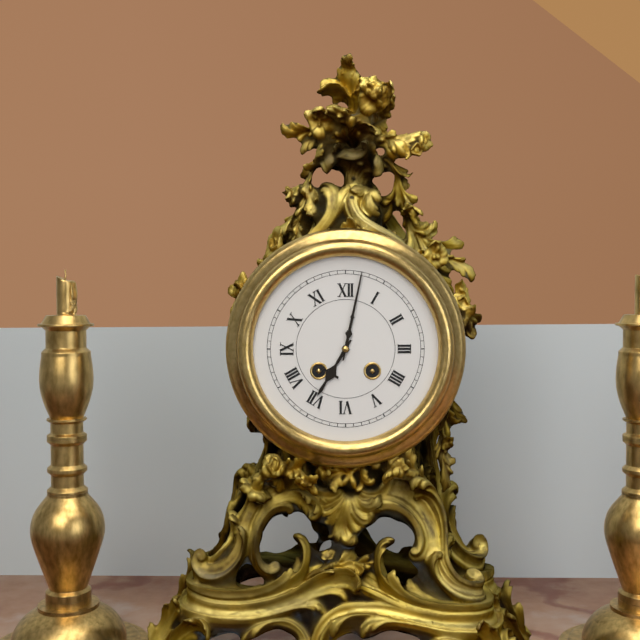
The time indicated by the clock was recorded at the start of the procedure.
7:02
